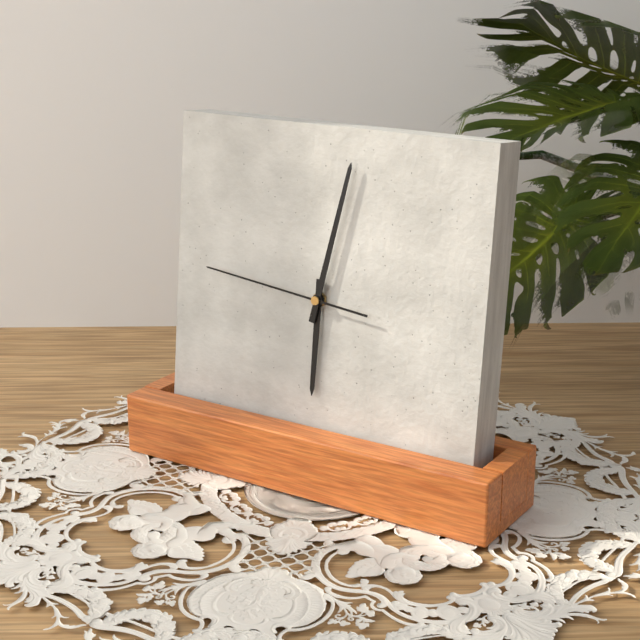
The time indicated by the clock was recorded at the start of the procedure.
6:02:46
